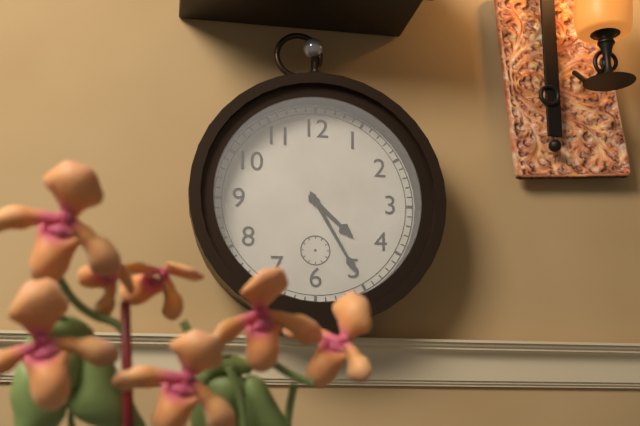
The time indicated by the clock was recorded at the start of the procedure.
4:25
